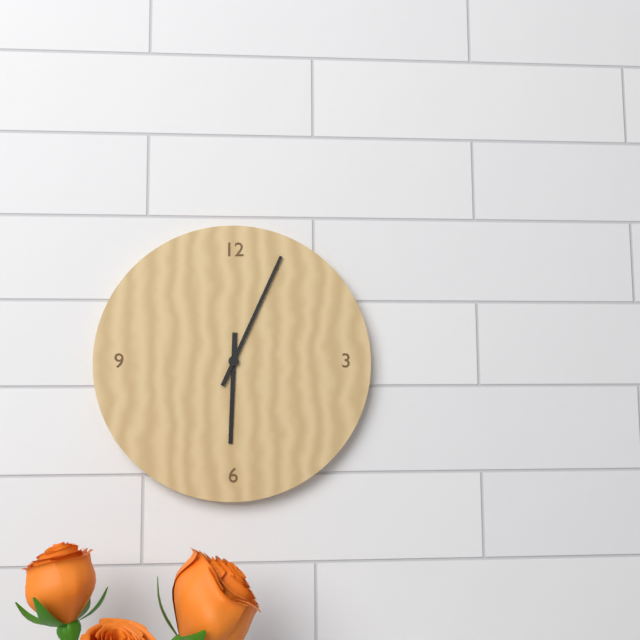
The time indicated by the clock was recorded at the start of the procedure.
6:04
